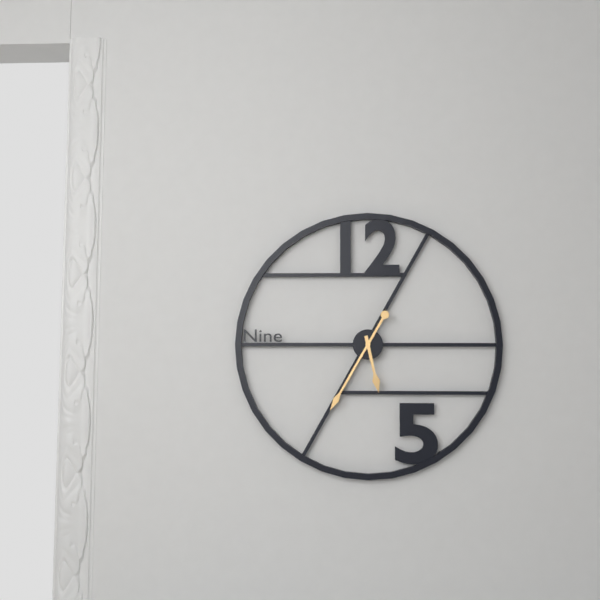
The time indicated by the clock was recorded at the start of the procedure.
5:35
